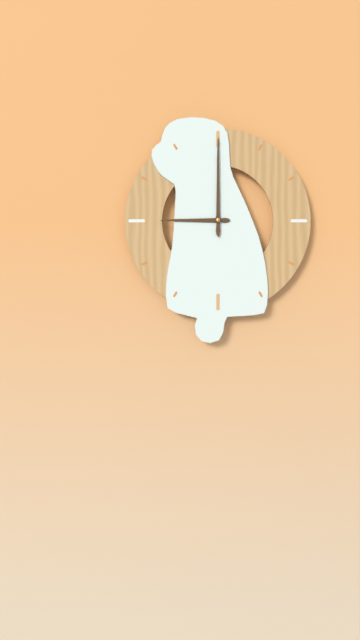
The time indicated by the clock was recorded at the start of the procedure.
9:00
